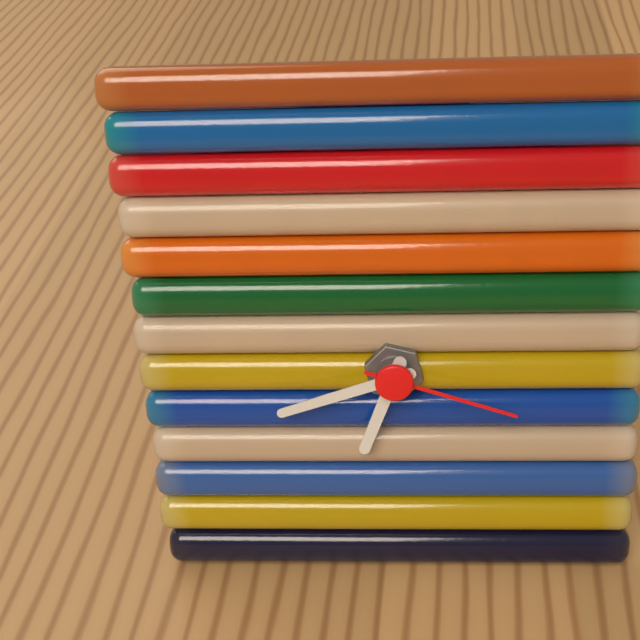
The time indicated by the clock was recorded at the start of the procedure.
6:42:18
